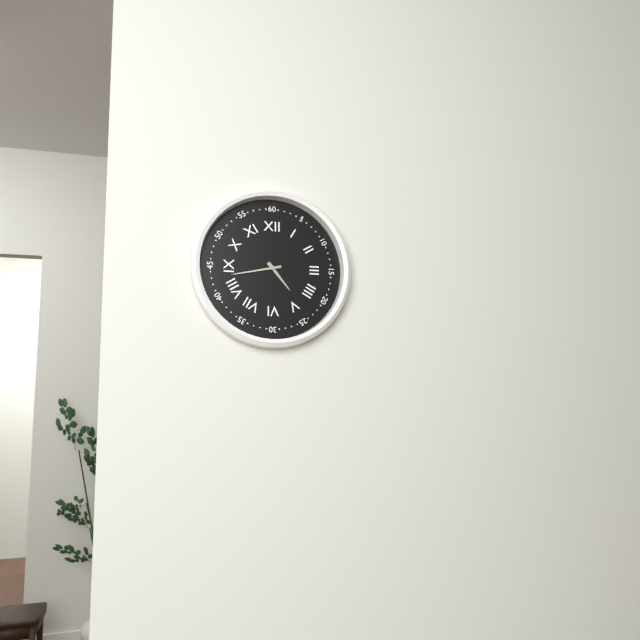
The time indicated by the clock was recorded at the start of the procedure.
4:43
